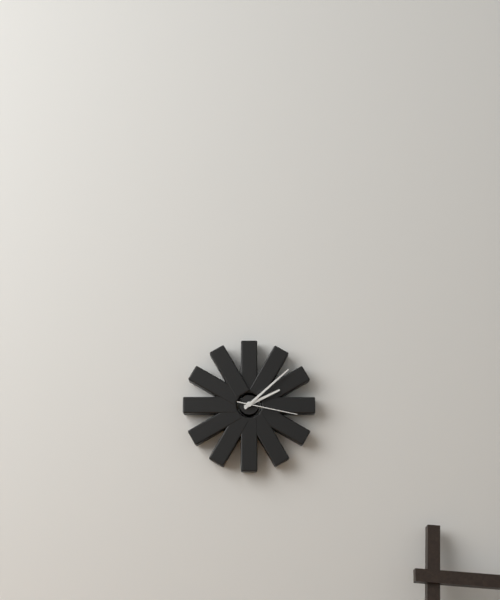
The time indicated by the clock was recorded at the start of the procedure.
2:08:17
